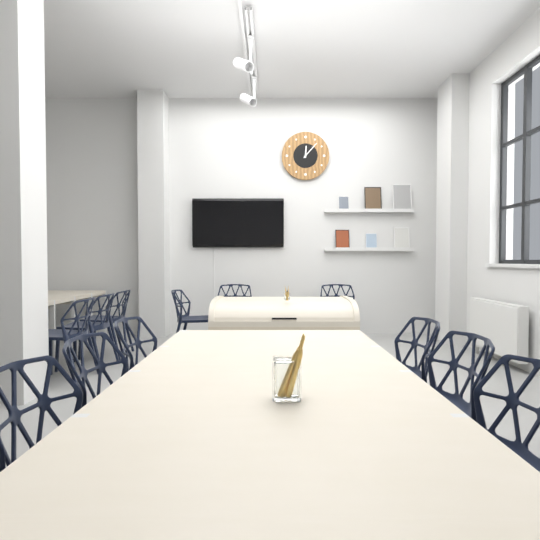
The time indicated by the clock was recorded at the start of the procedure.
12:07
